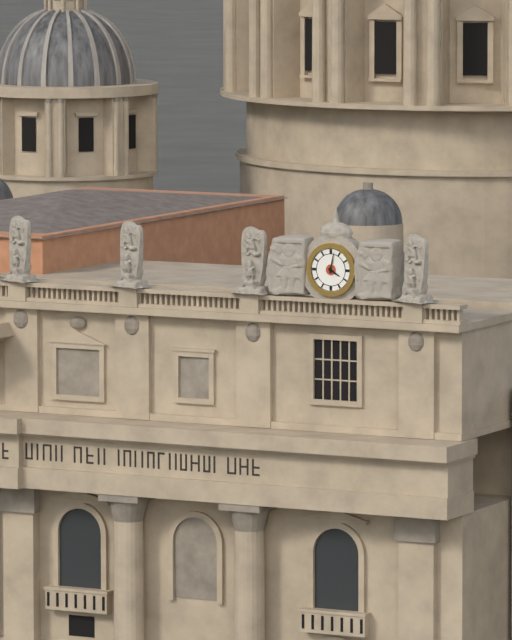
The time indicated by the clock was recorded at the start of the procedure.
4:02
